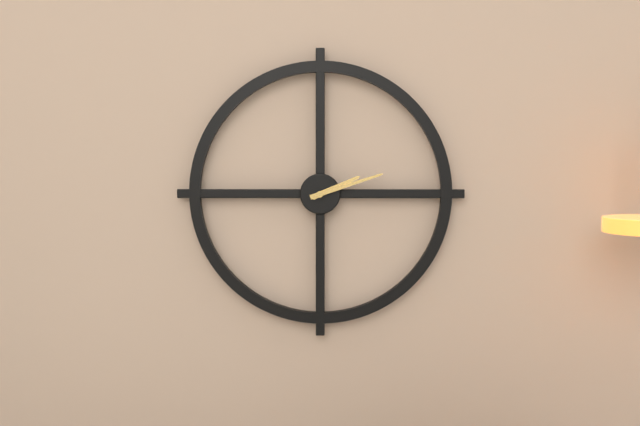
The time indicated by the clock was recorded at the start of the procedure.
2:12
